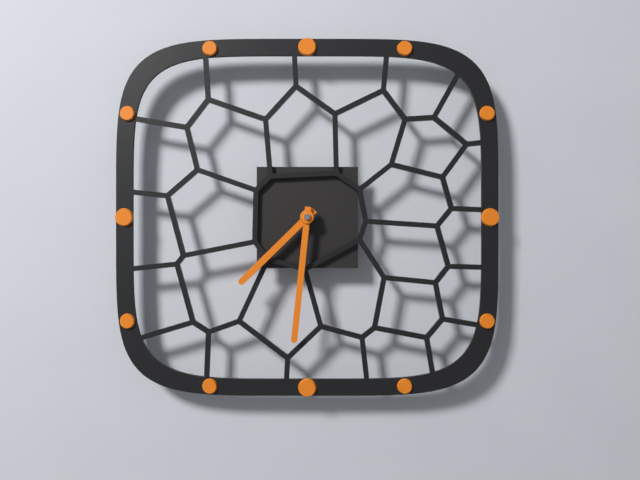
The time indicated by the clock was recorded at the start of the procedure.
7:31
